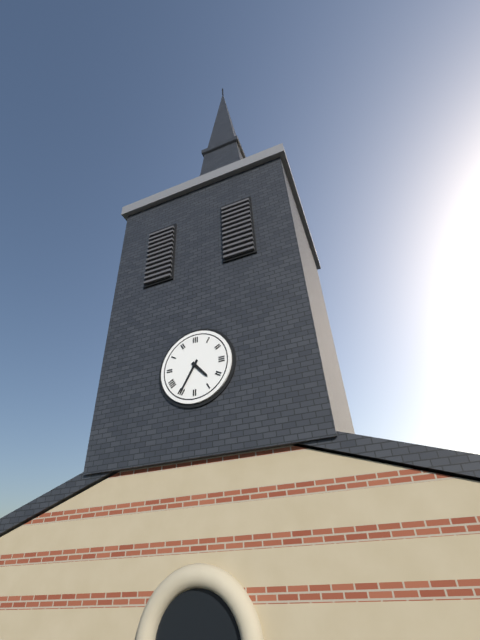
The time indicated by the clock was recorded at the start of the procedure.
4:35
